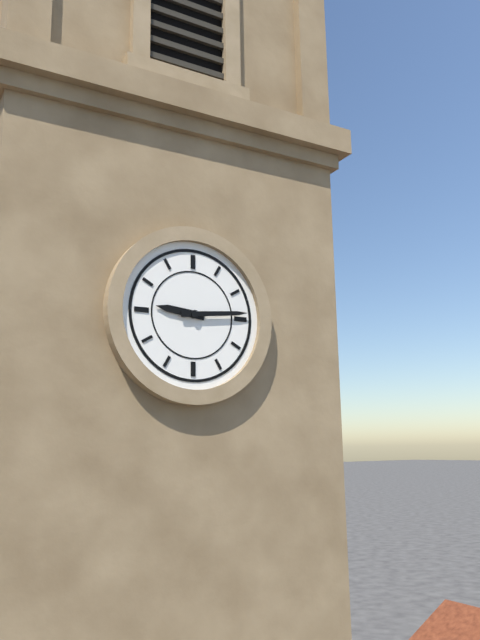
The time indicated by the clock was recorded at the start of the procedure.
9:14
